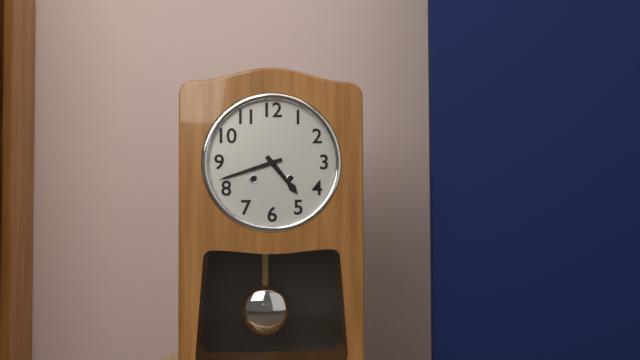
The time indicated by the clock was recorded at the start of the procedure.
4:42
